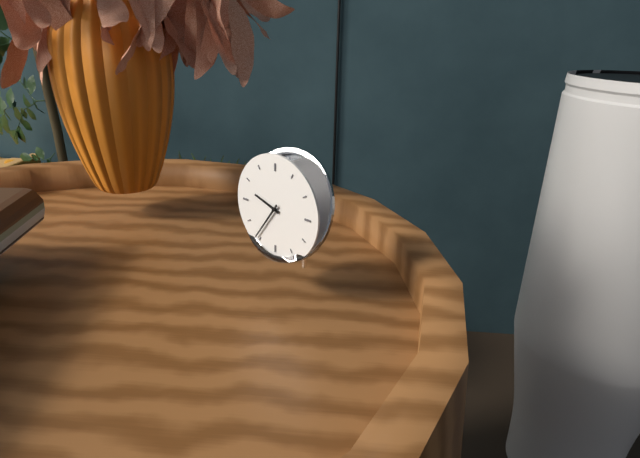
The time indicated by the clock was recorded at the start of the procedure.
9:36
